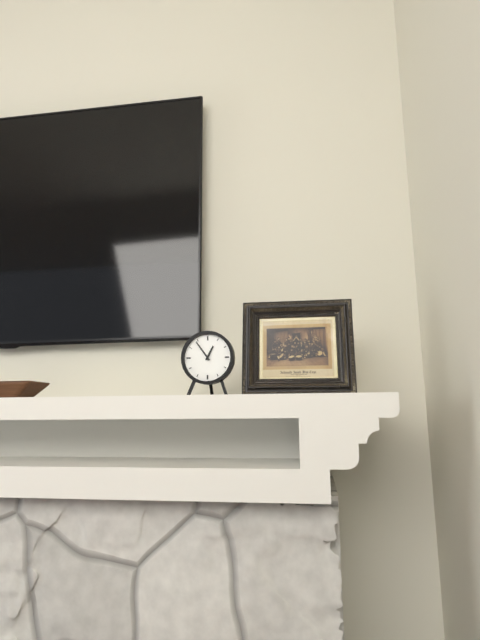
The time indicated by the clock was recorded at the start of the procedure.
12:54
